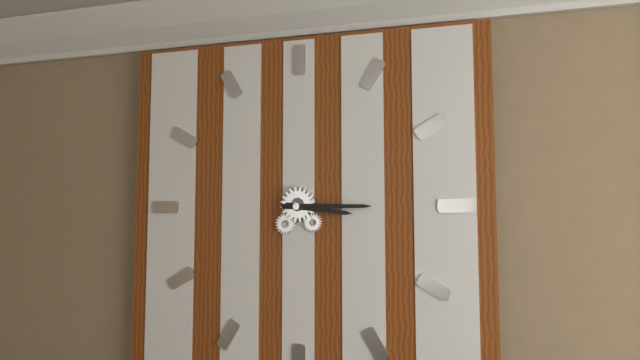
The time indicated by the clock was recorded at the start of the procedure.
3:15
